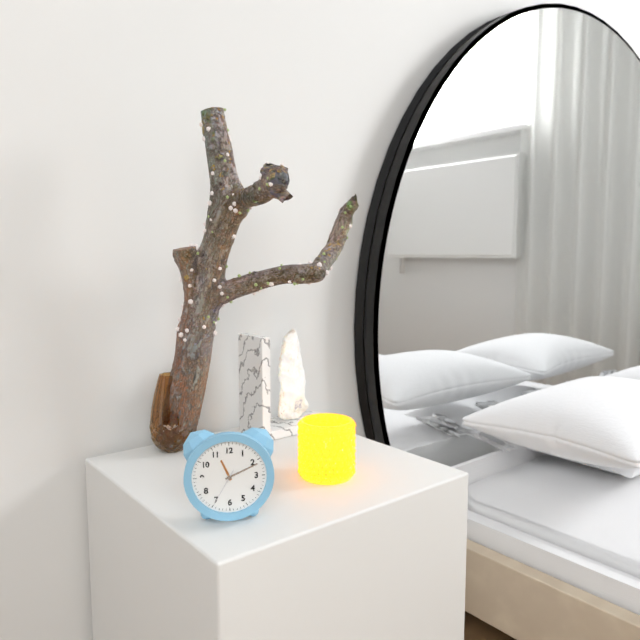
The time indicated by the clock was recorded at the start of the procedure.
11:11
